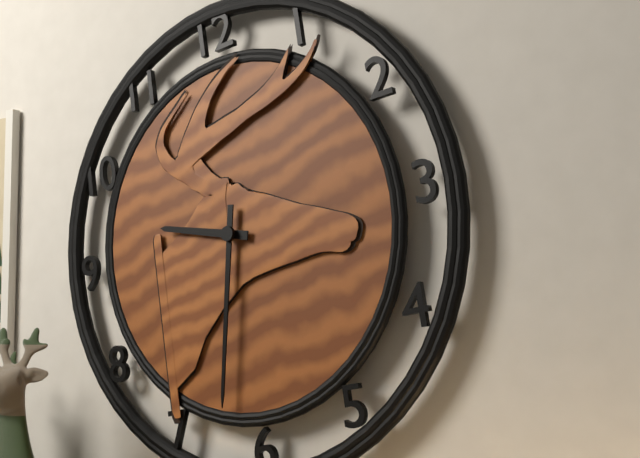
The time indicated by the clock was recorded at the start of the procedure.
9:32
